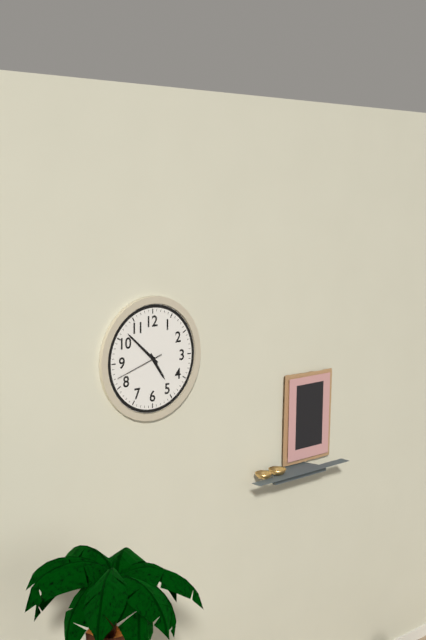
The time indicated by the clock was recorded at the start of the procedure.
4:52:42
